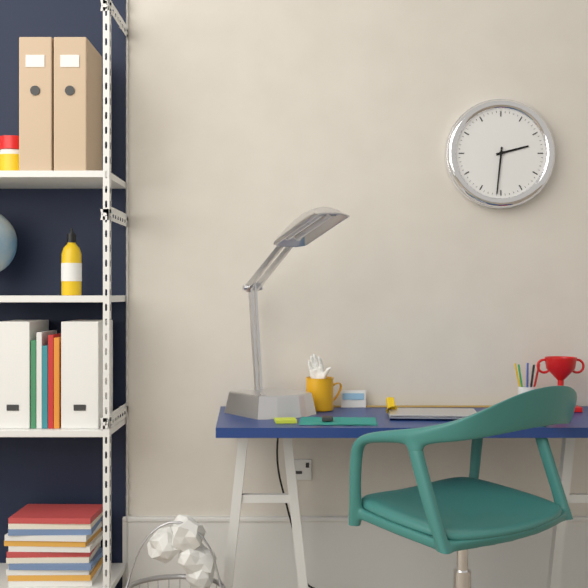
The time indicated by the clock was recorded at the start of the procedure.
2:31
